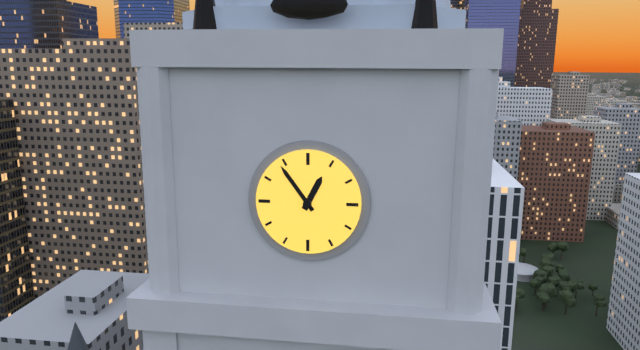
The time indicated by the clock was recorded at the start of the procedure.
12:54
